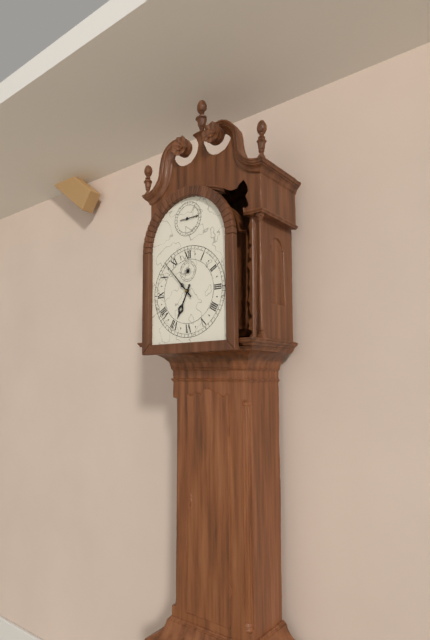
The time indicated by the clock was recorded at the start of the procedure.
6:53
